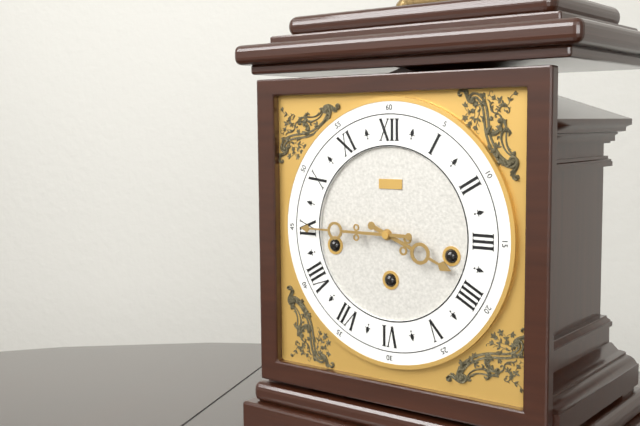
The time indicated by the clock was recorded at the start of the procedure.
3:45
